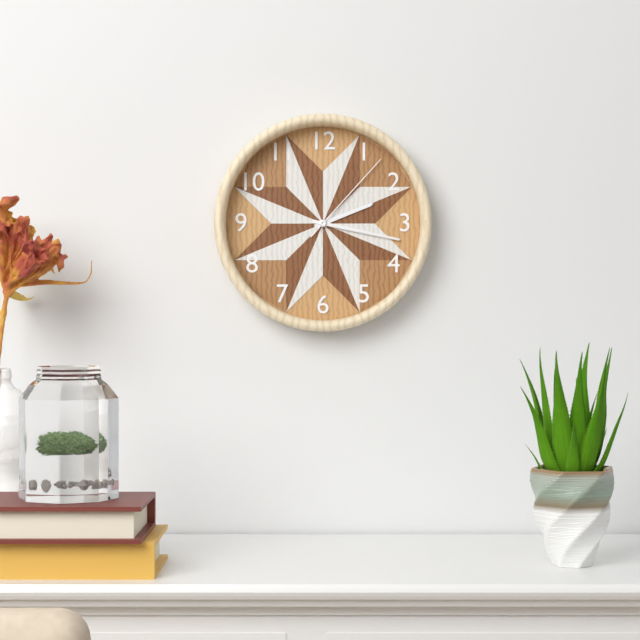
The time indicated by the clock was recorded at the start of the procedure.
2:17:07
